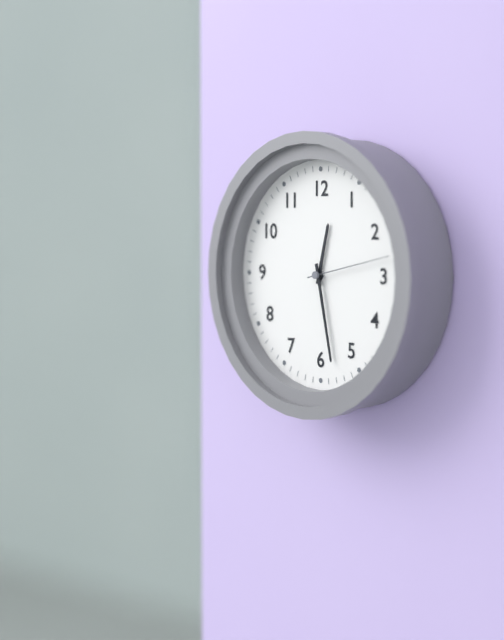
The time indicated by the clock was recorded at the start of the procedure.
12:28:13
